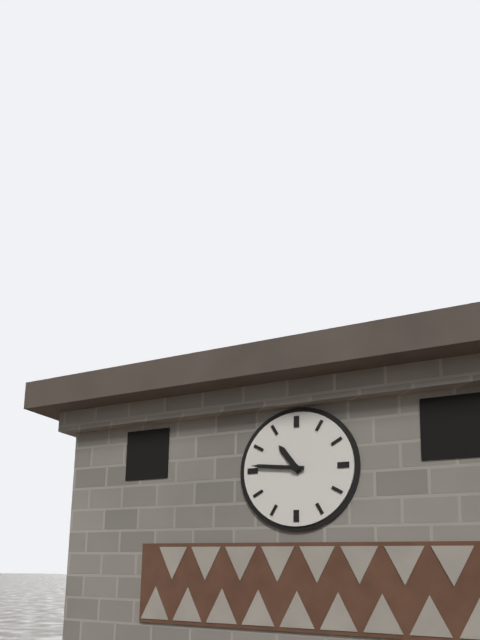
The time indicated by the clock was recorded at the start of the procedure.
10:46
